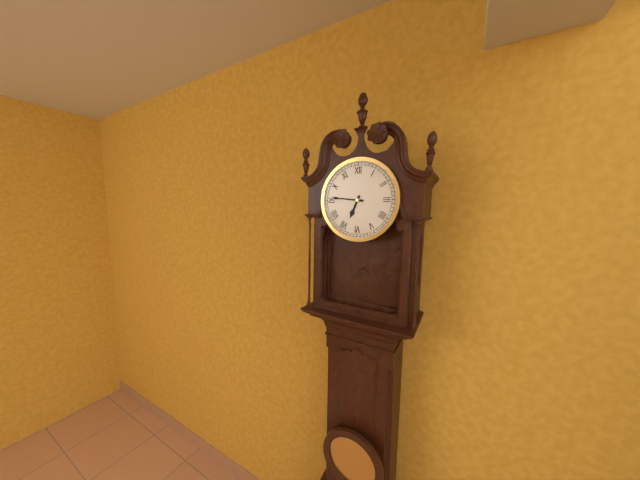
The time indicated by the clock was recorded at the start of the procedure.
6:46
